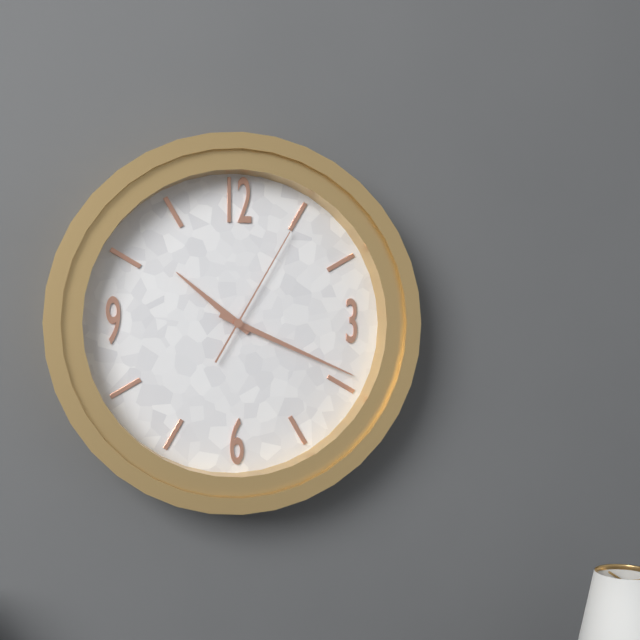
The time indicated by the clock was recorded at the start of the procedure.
10:19:05
